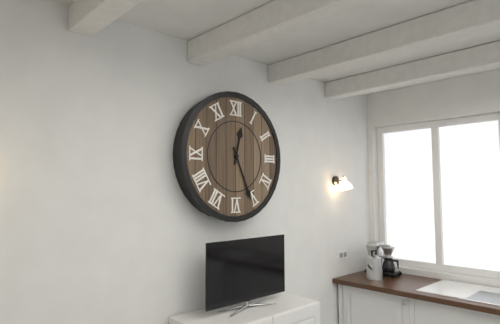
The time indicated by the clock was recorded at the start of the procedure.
12:26
